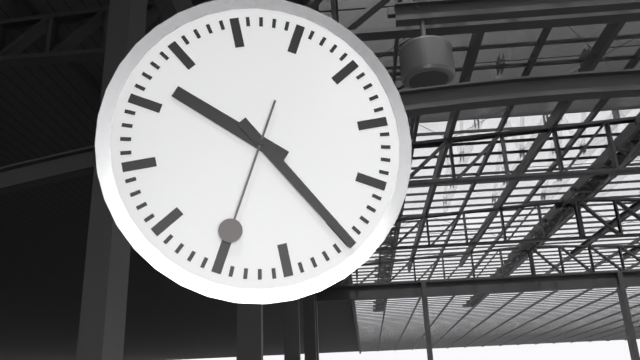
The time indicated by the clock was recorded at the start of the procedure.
10:25:35
